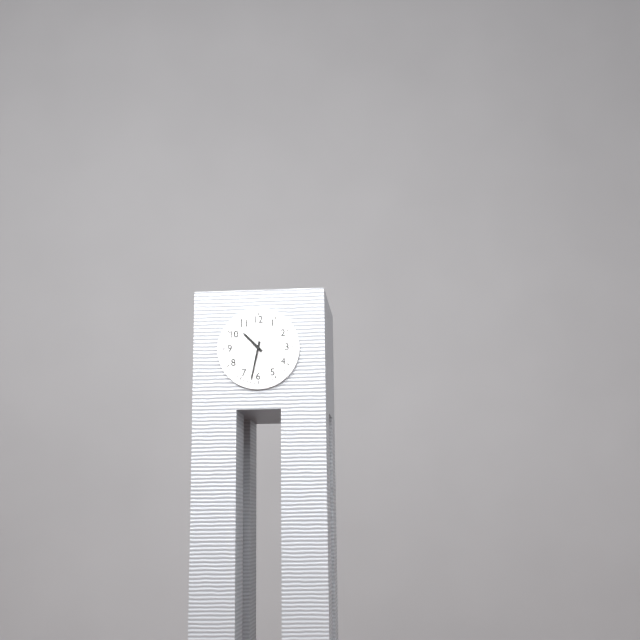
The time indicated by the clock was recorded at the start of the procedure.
10:32
